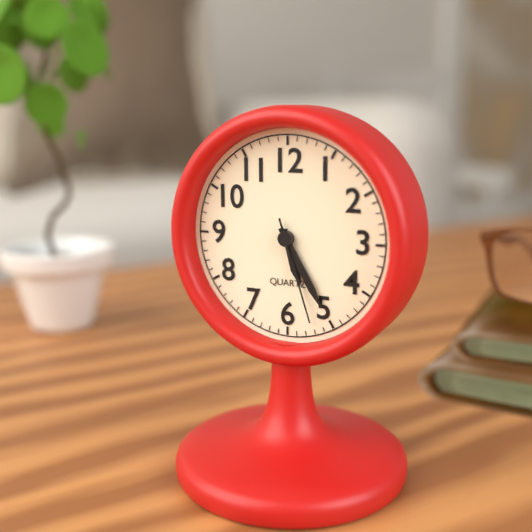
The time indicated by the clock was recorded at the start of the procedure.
5:25:27
